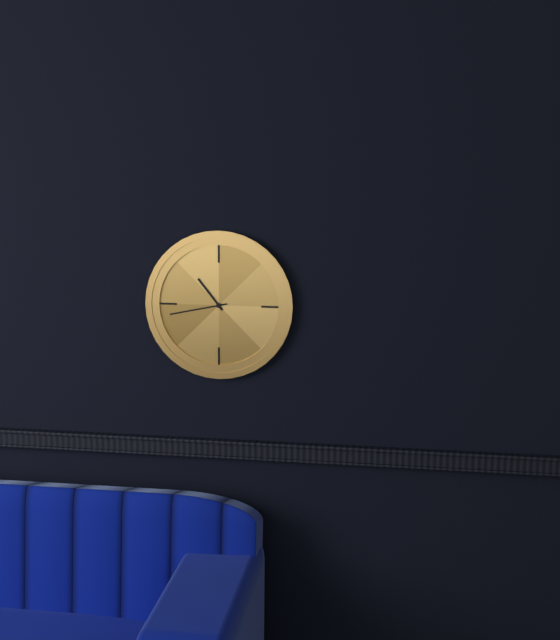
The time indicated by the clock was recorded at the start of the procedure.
10:43
